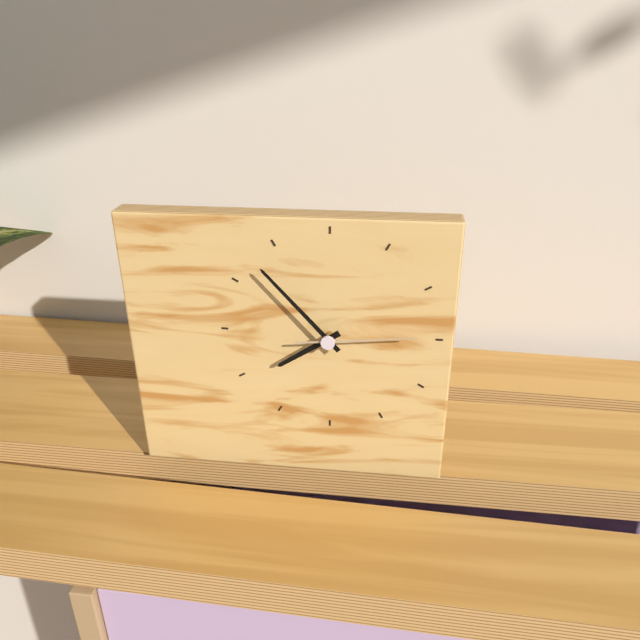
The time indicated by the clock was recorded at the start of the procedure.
7:53:14
